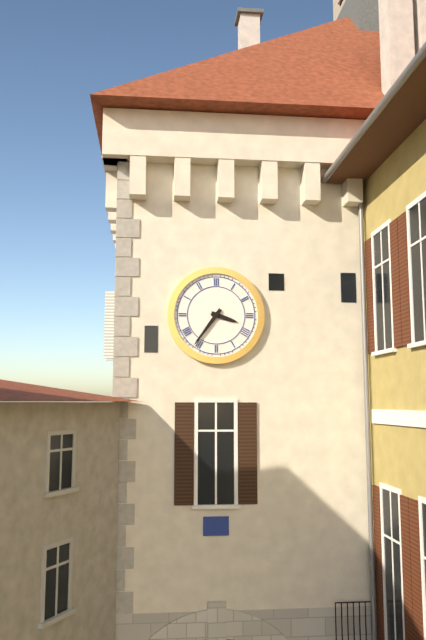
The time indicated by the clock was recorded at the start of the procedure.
3:36
